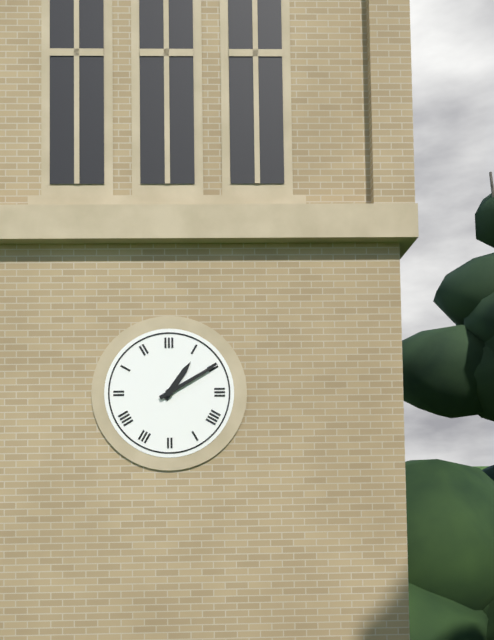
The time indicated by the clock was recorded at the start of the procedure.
1:10
